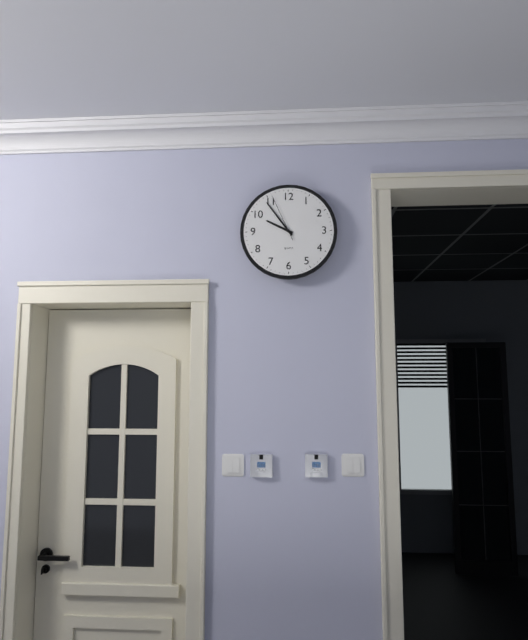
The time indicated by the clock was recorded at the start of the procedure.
9:54
